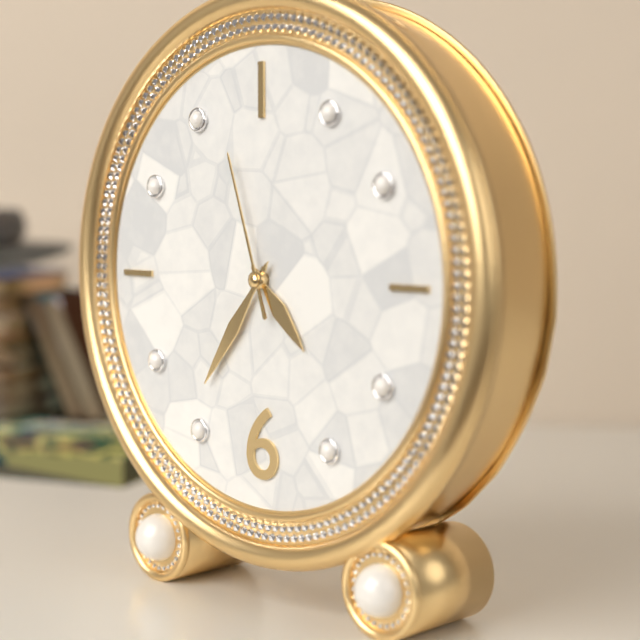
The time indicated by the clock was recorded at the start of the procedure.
4:36:57
